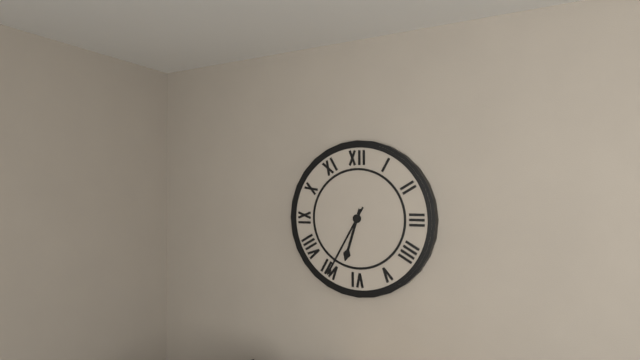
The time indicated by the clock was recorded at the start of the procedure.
6:35
